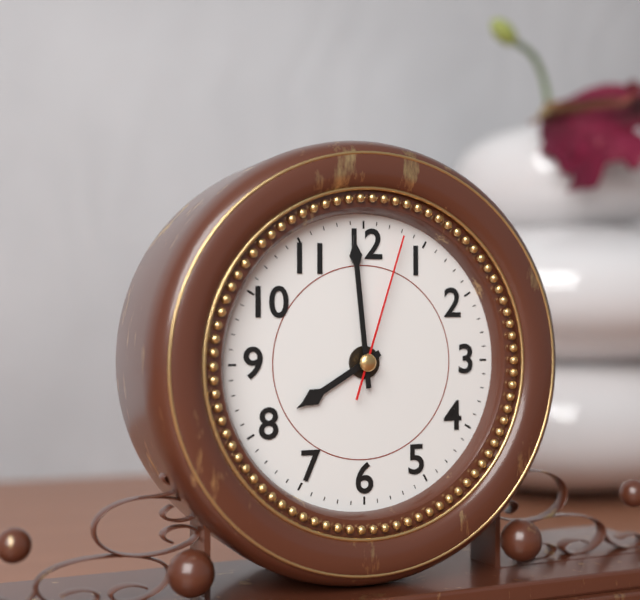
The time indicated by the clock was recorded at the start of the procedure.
7:59:03
